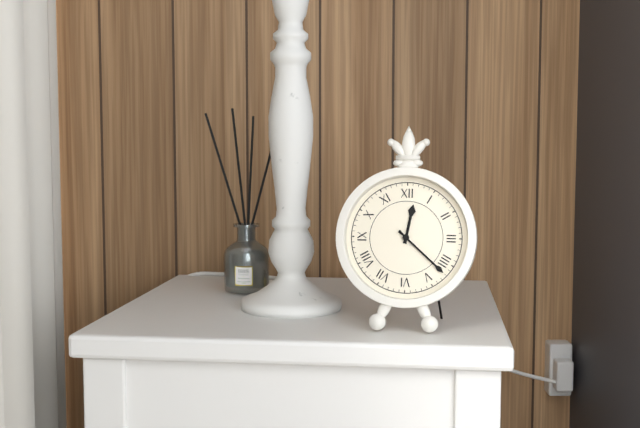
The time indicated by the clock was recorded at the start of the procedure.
12:22
